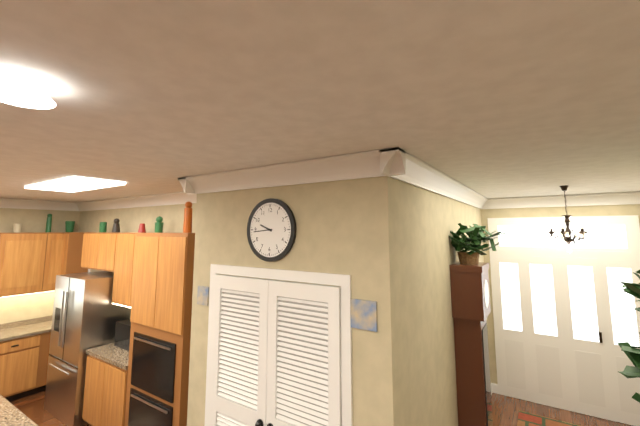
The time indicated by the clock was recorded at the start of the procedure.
9:44
